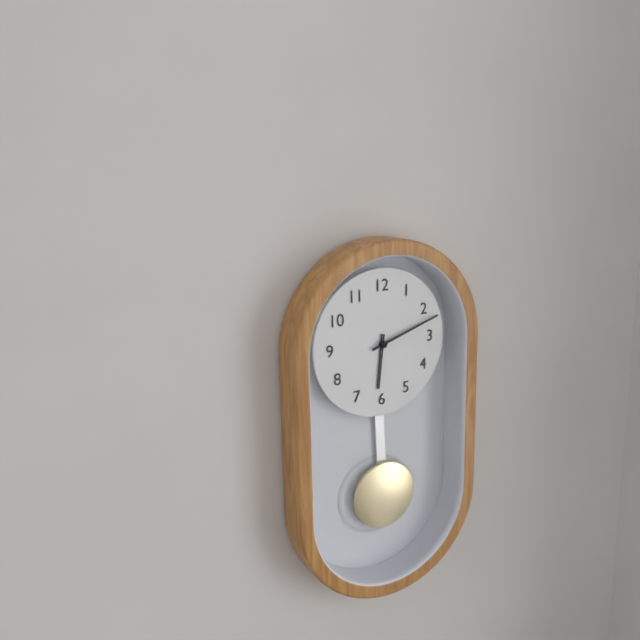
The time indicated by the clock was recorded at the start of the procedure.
6:12
